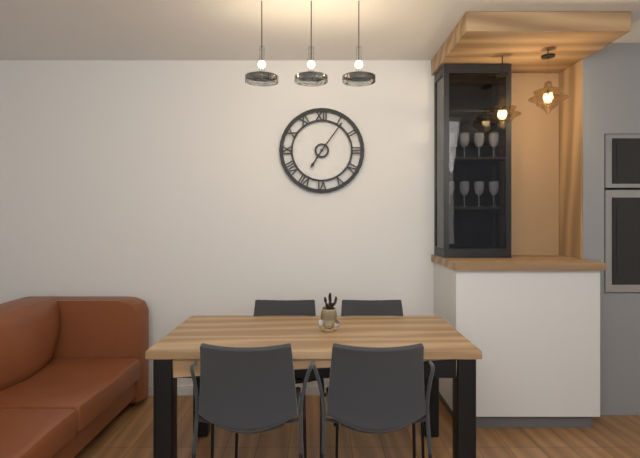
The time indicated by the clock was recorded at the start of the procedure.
7:06
